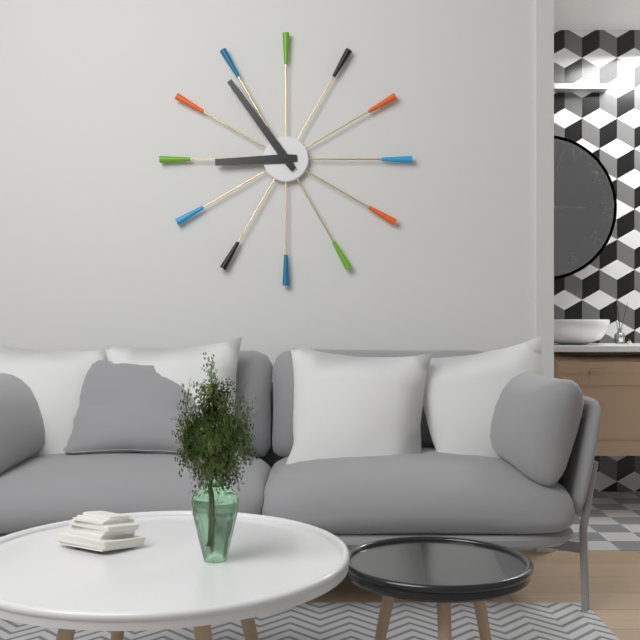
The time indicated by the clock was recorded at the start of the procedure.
8:54
